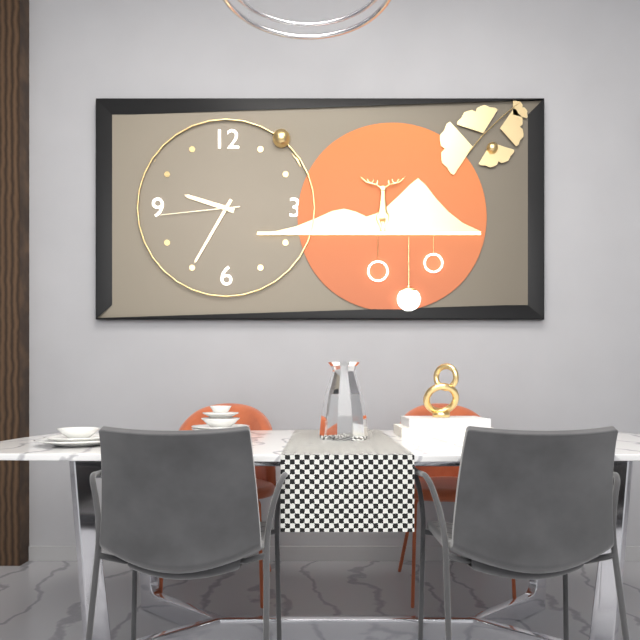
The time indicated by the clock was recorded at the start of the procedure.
9:35:44
